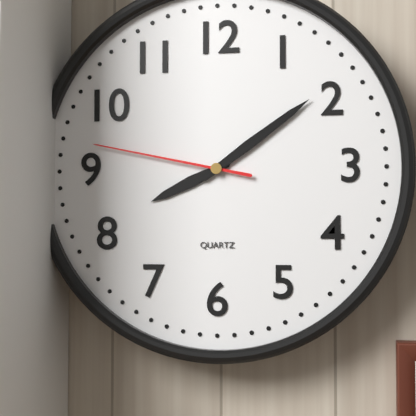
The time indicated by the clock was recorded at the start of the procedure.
8:09:47
